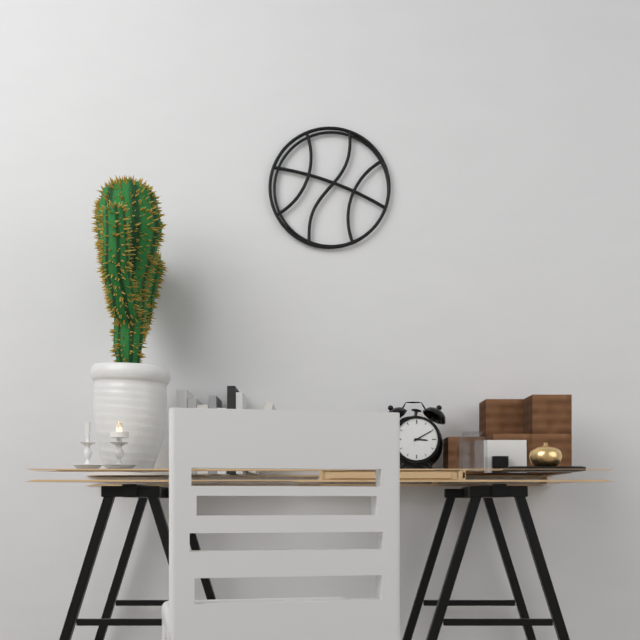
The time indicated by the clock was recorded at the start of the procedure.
3:10
